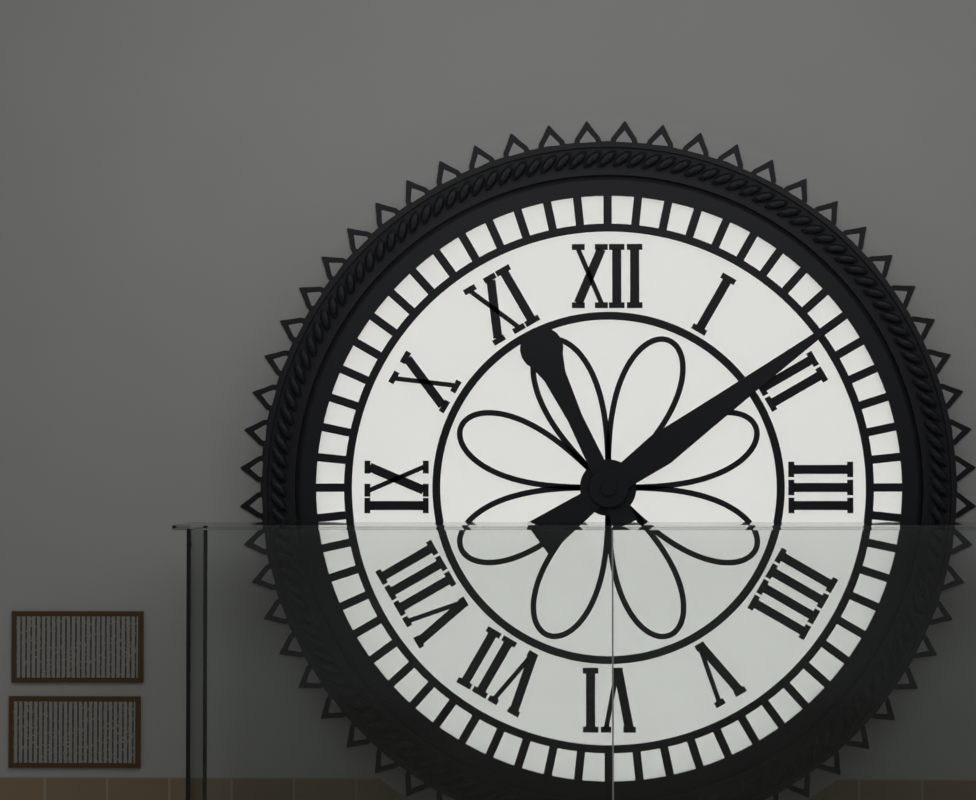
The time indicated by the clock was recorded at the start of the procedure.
11:09
